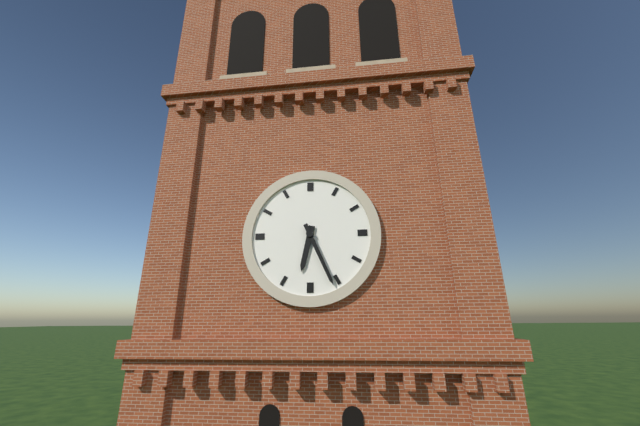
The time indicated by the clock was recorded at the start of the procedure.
6:26
